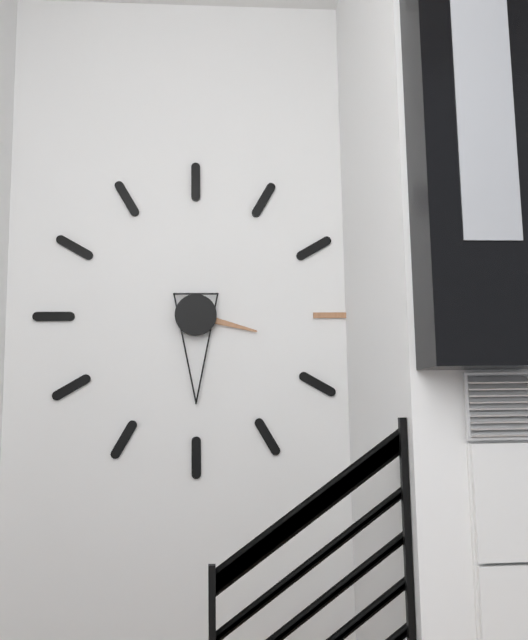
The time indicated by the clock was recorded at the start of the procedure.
3:30
